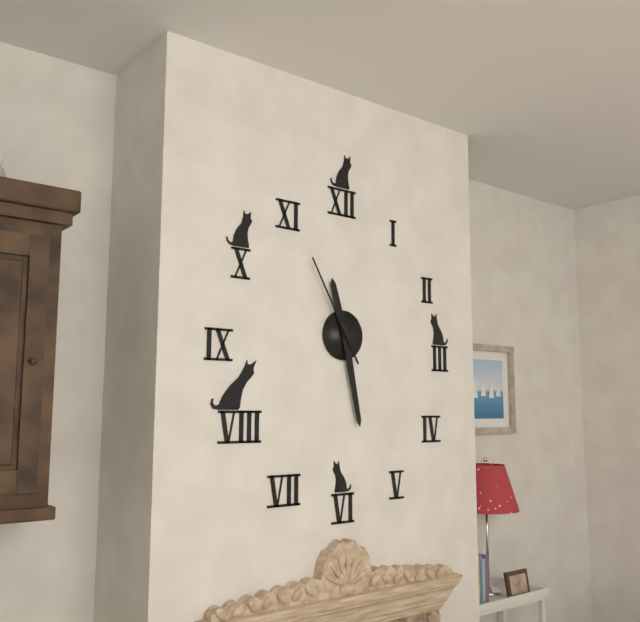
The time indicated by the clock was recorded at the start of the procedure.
11:28:55
